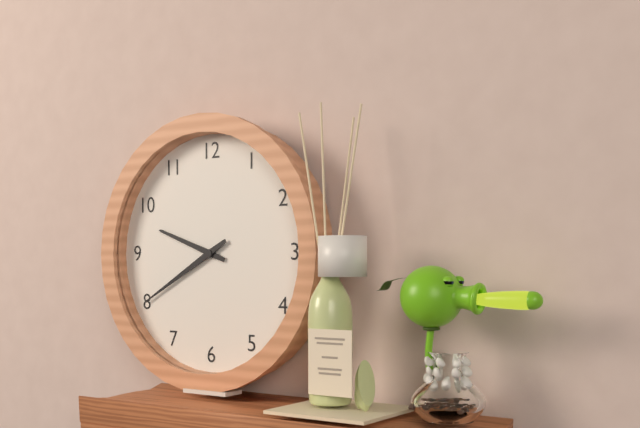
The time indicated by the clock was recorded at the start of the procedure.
9:40
